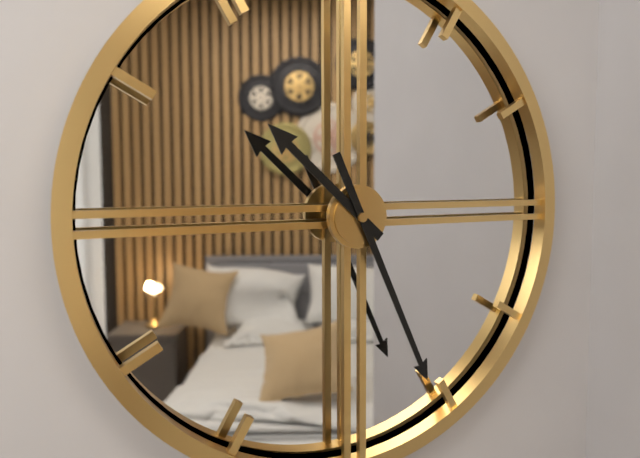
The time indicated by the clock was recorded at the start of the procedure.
10:26
